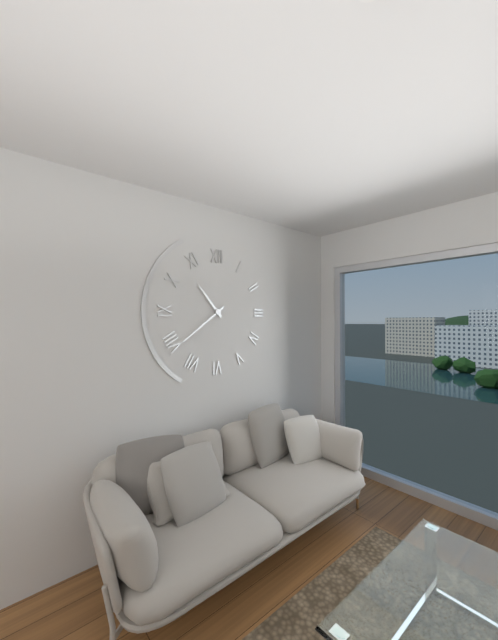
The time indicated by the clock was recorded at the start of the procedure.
10:39
